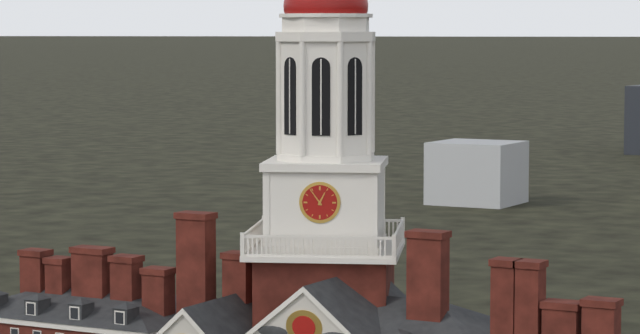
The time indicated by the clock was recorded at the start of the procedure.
12:54
